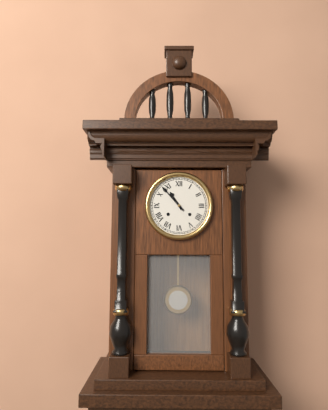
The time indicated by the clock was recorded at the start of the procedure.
10:53
